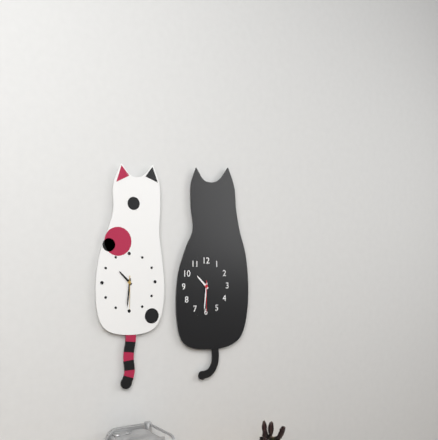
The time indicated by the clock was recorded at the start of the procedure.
10:31
